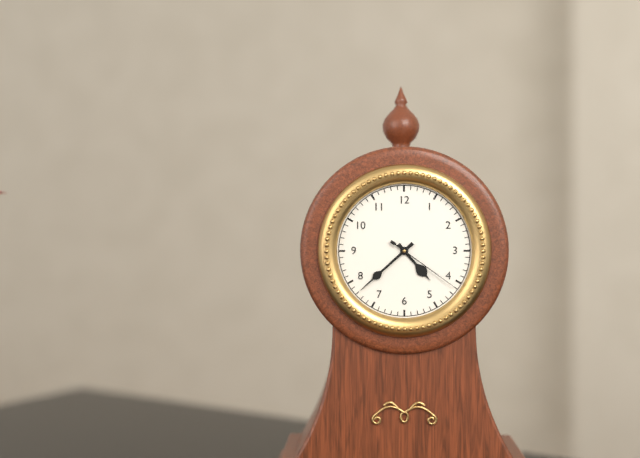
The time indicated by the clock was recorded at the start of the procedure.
4:38:21
